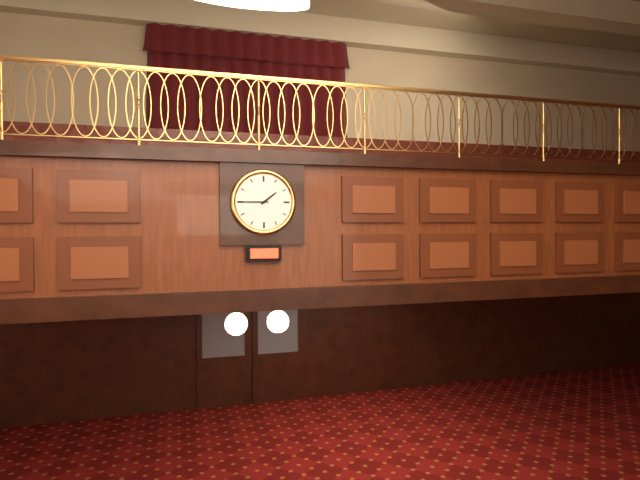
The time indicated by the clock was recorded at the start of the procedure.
1:45
